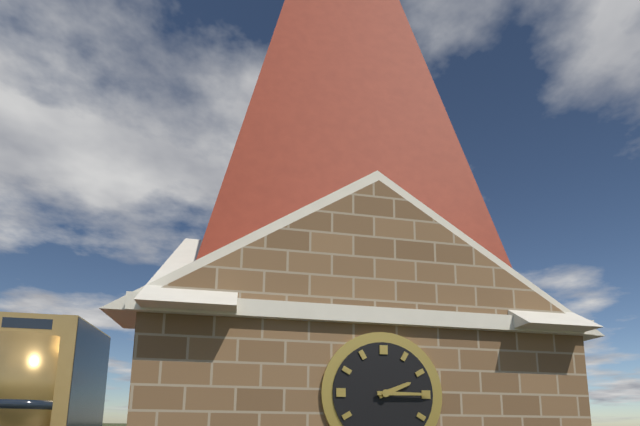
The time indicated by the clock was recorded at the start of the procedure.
2:15
